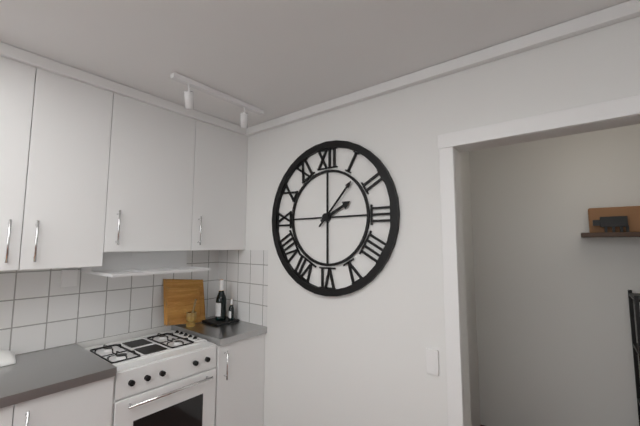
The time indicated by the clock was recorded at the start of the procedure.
2:07
